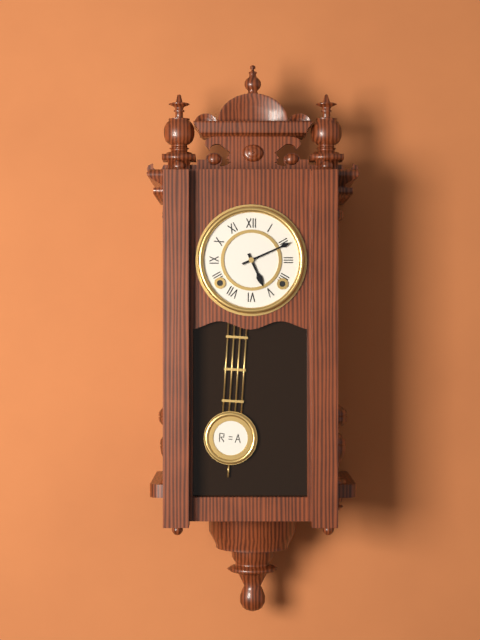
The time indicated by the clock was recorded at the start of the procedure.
5:11
